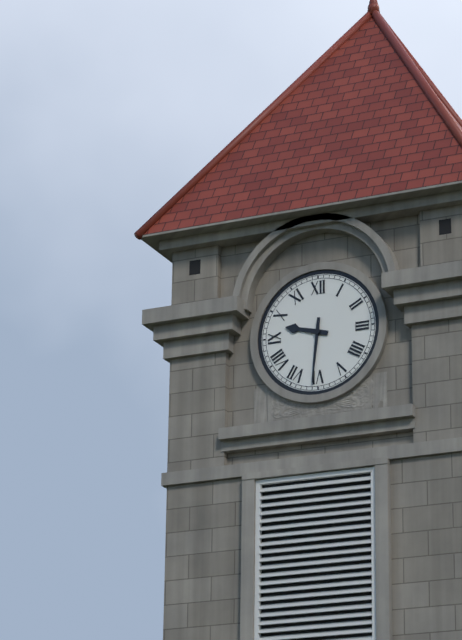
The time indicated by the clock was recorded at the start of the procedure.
9:31
